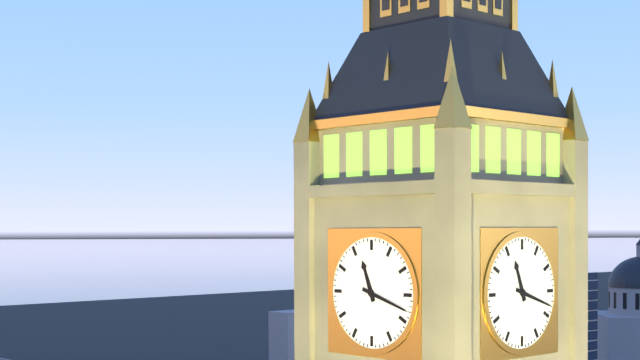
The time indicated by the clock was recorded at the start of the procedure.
11:18
